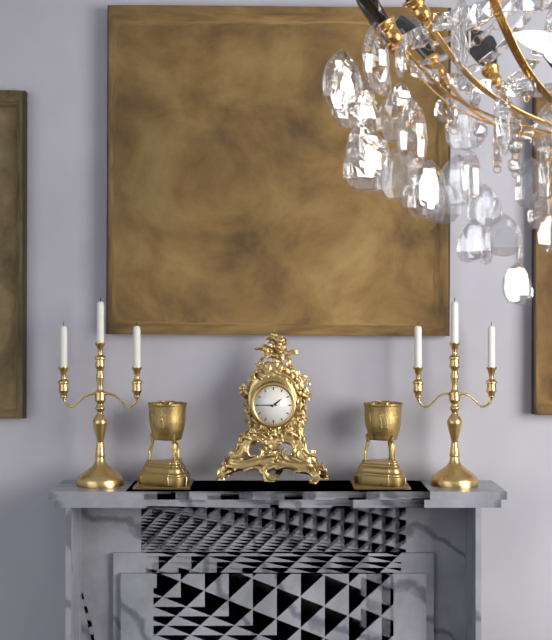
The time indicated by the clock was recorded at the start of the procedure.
1:45
